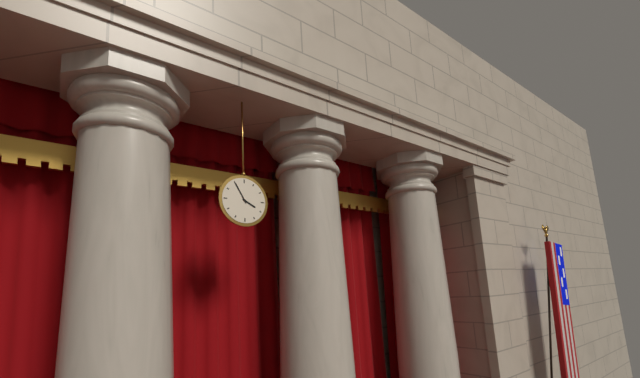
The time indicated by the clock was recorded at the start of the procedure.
3:55
